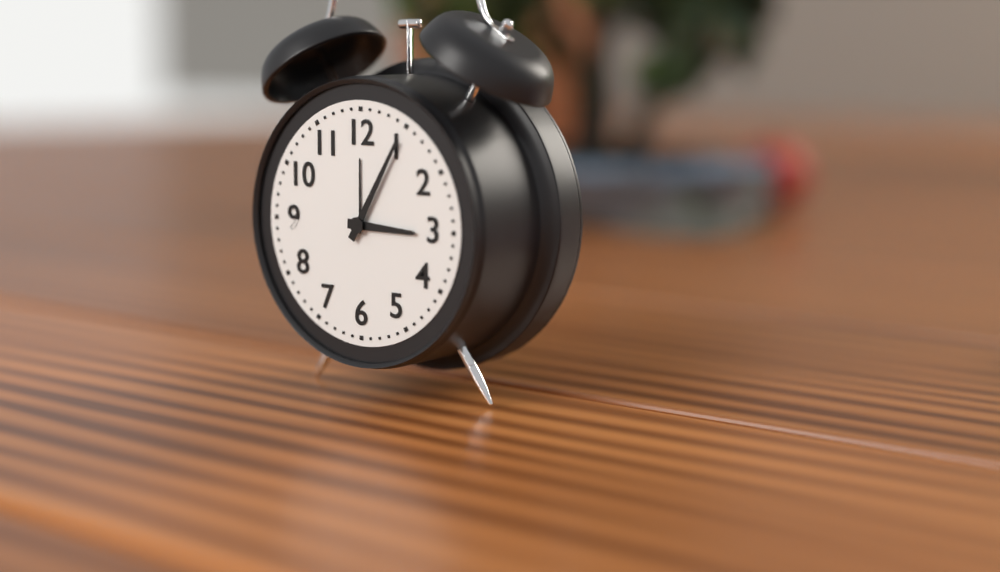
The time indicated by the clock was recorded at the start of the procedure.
3:05
